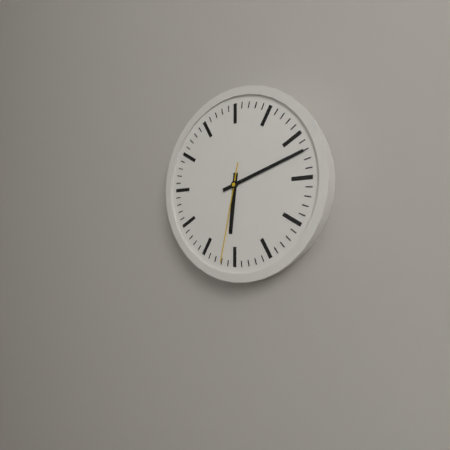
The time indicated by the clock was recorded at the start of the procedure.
6:12:32
